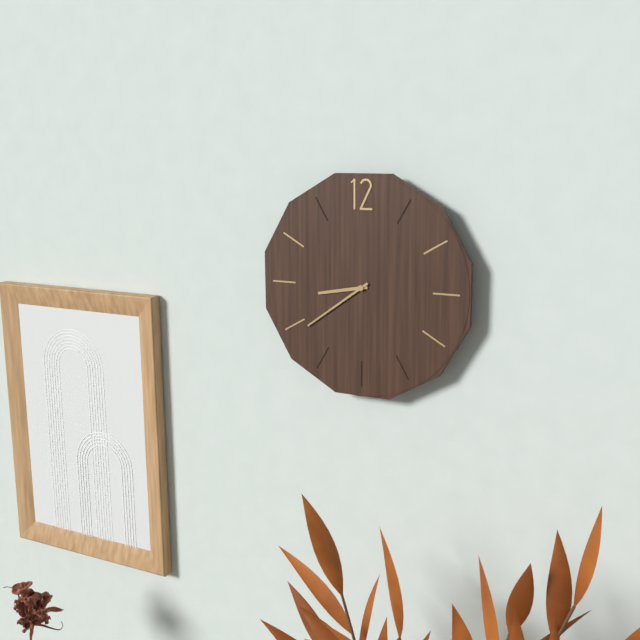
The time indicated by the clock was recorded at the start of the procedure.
8:39
